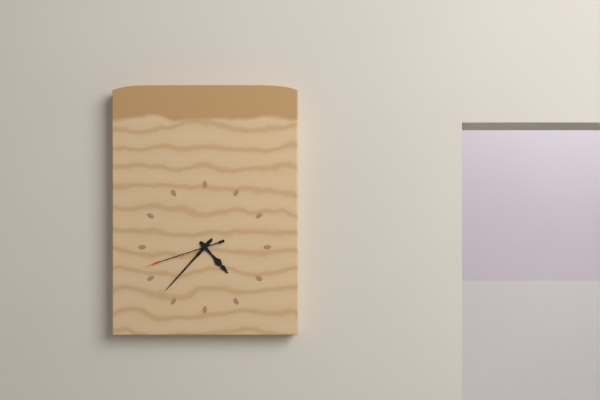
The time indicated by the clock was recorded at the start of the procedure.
4:37:42
